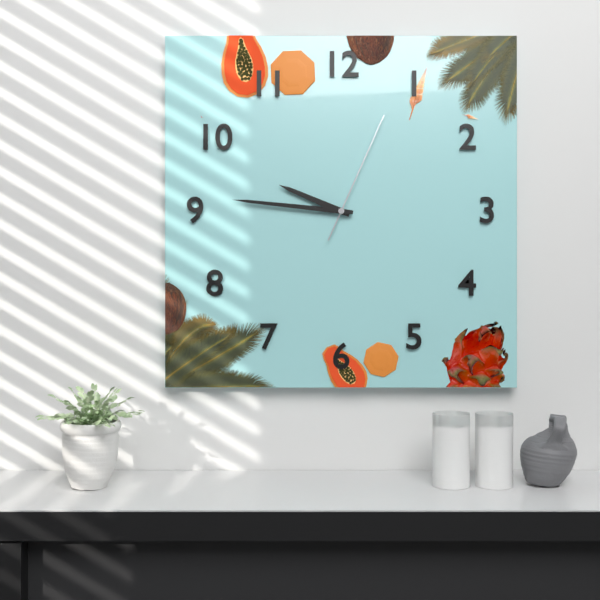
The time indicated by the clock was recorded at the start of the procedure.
9:46:04
